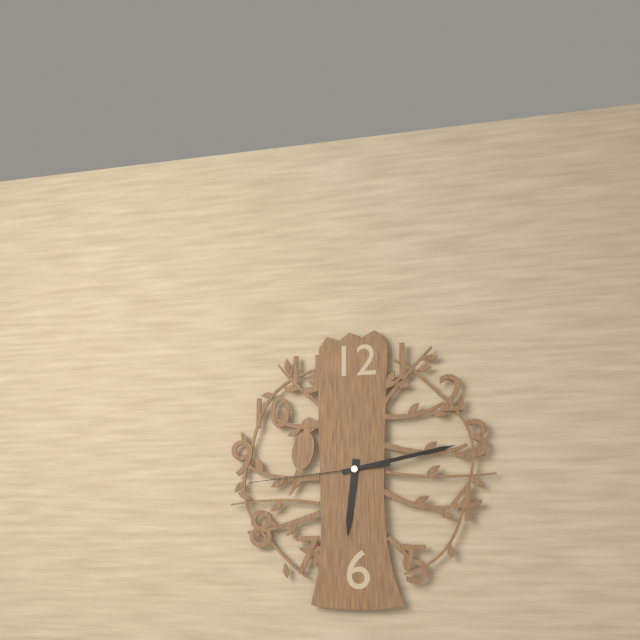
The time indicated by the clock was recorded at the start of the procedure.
6:13:44
